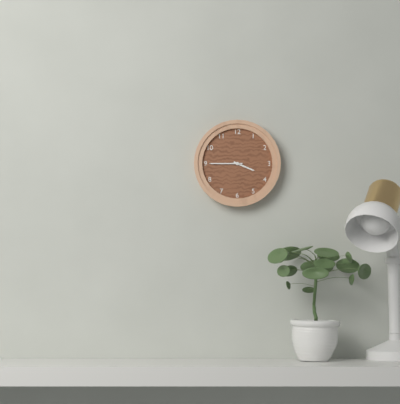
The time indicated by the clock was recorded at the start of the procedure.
3:45
